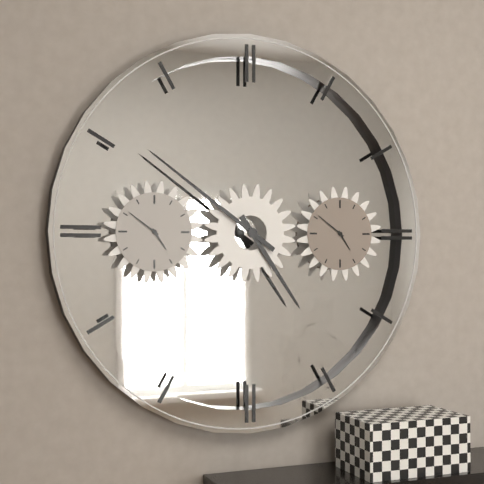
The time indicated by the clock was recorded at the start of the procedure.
4:51
